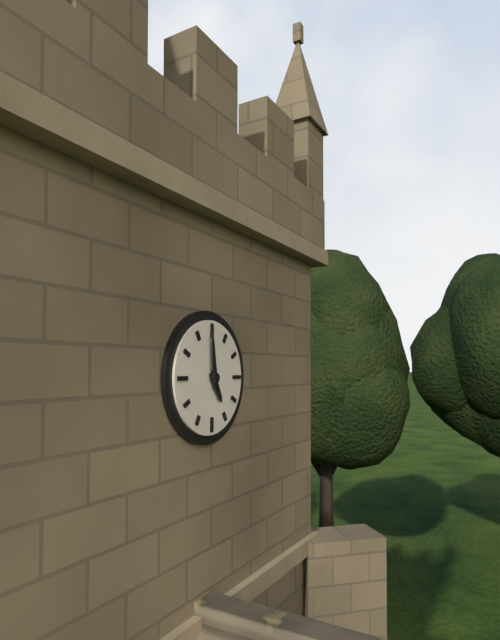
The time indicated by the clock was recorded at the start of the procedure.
4:59
